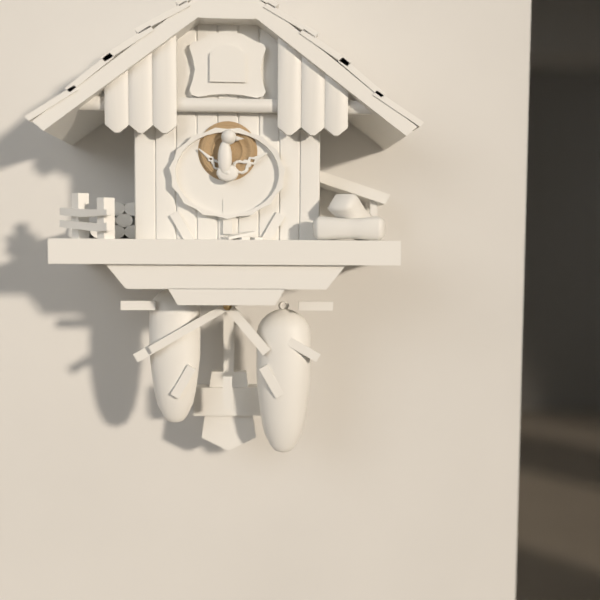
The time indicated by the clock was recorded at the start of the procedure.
4:40
